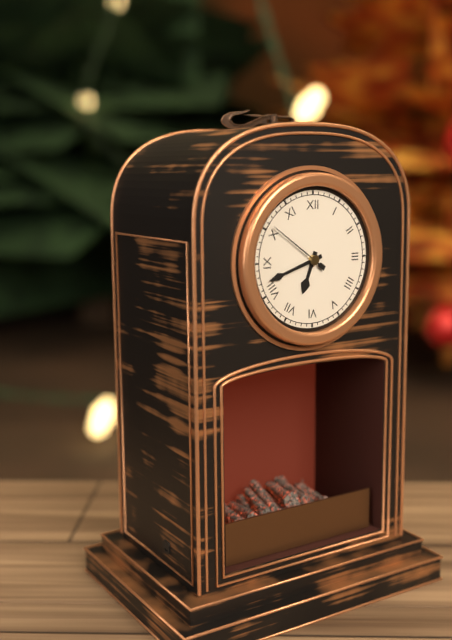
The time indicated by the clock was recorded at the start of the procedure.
6:42:51
